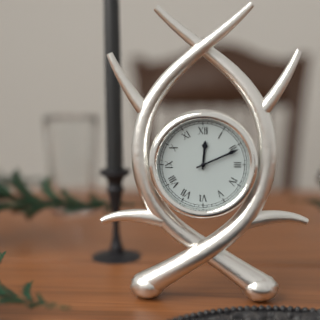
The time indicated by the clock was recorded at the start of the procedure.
12:11
